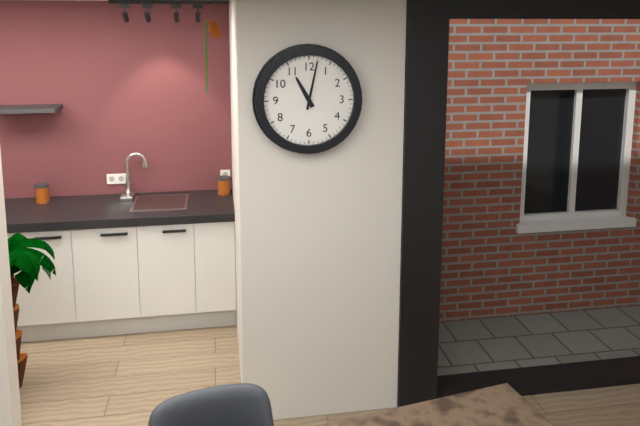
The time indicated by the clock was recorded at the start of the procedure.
11:02
